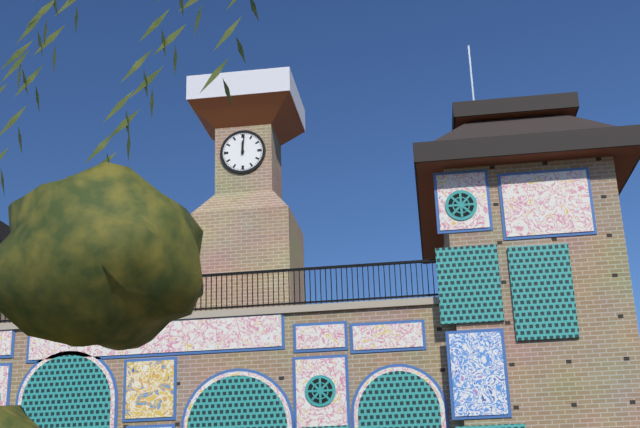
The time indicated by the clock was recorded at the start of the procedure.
12:01
